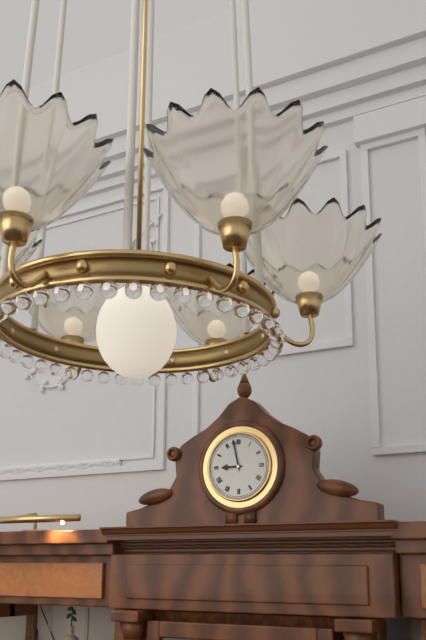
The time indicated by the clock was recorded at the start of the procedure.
8:58
